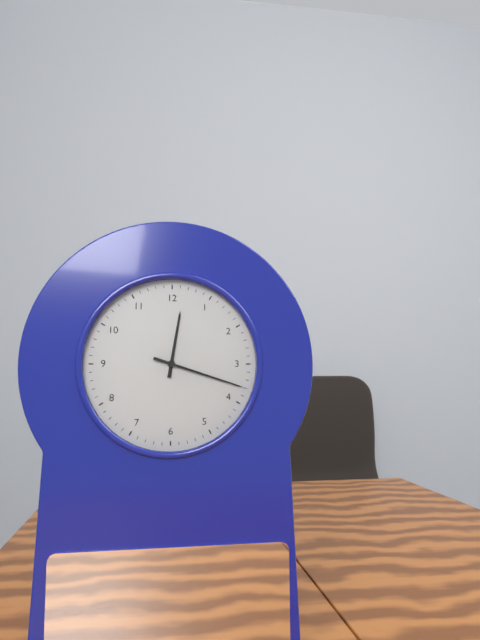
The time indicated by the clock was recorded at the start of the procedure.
12:18
